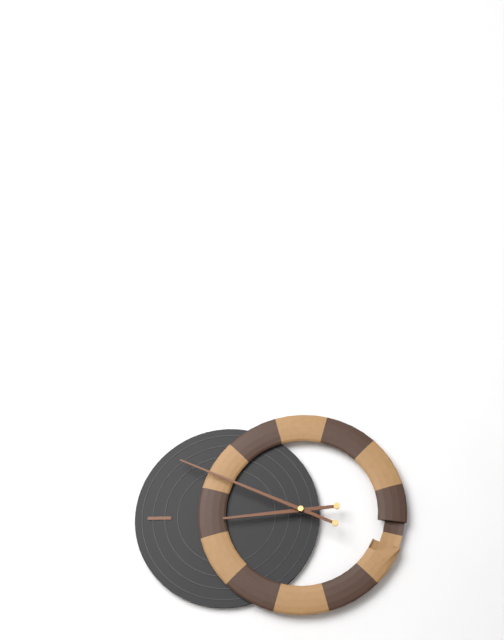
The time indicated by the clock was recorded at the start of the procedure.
8:49
